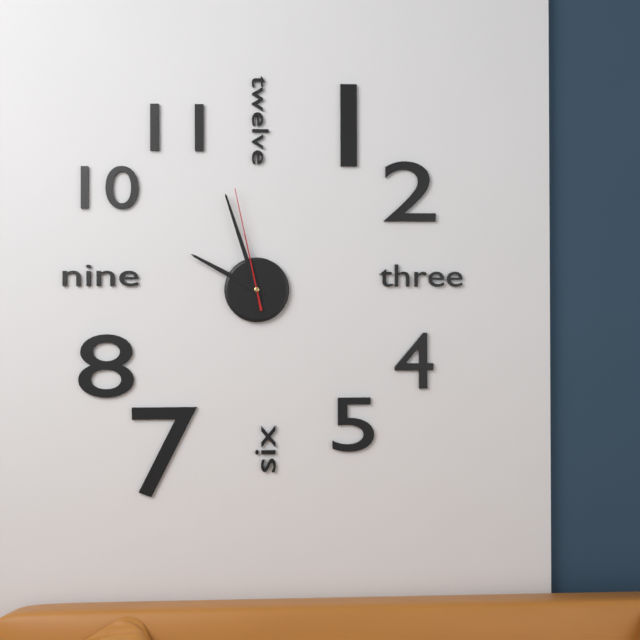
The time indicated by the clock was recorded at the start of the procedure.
9:57:58
